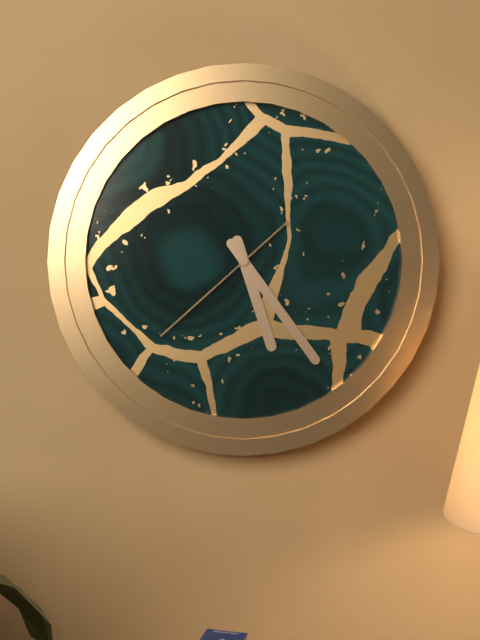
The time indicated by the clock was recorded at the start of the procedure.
5:24:38
